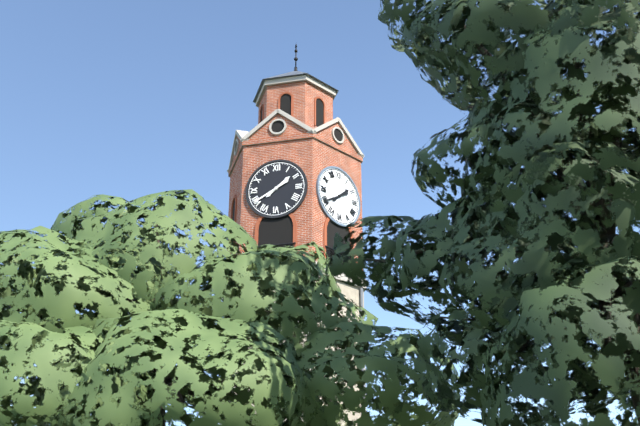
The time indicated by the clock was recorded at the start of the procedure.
1:40
